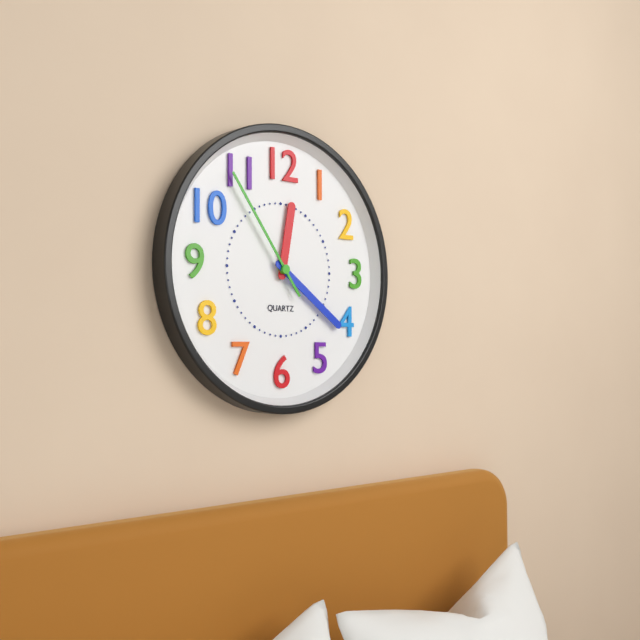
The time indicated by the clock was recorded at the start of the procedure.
12:21:54
